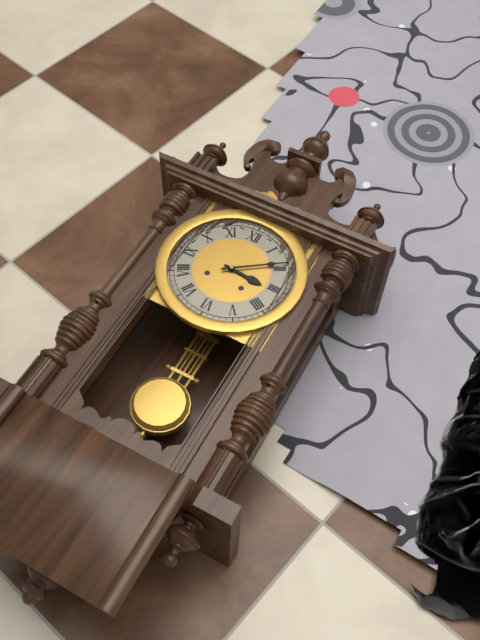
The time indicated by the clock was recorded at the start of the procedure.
3:09
